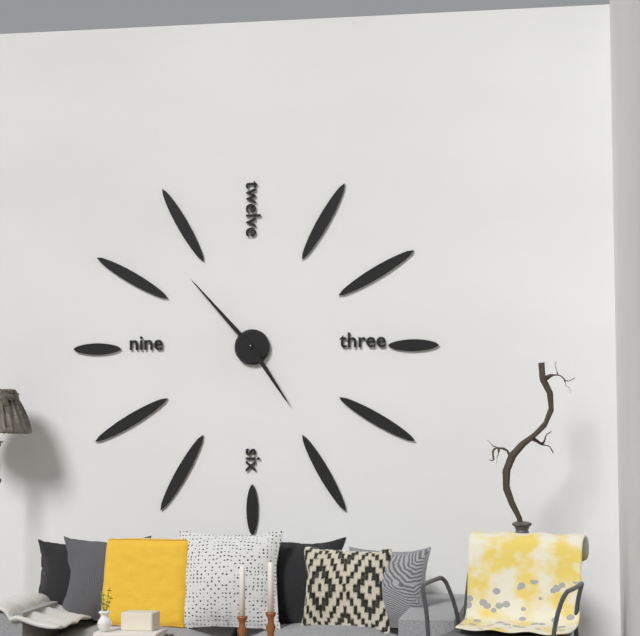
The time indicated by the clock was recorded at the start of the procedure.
4:53
